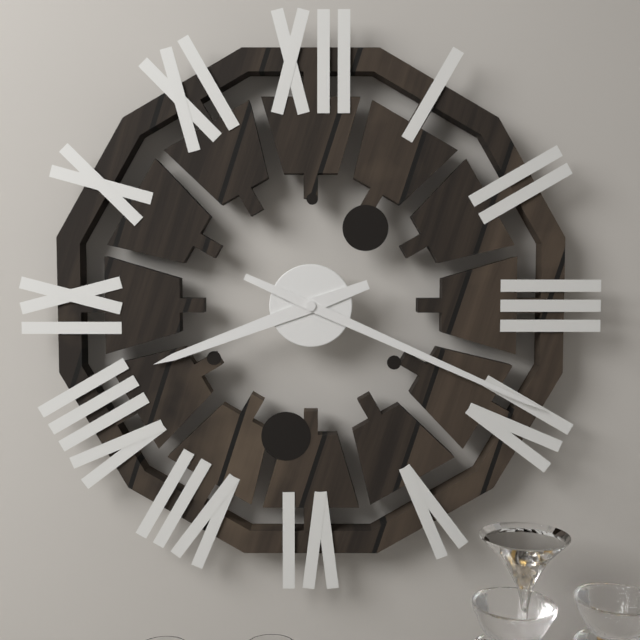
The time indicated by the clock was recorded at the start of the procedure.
8:19
